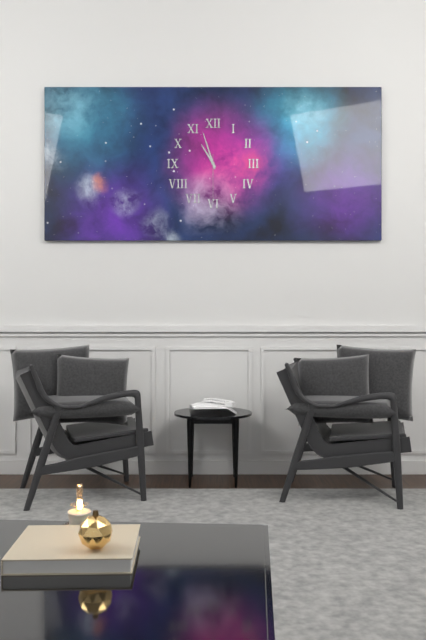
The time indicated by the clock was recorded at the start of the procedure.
10:57
